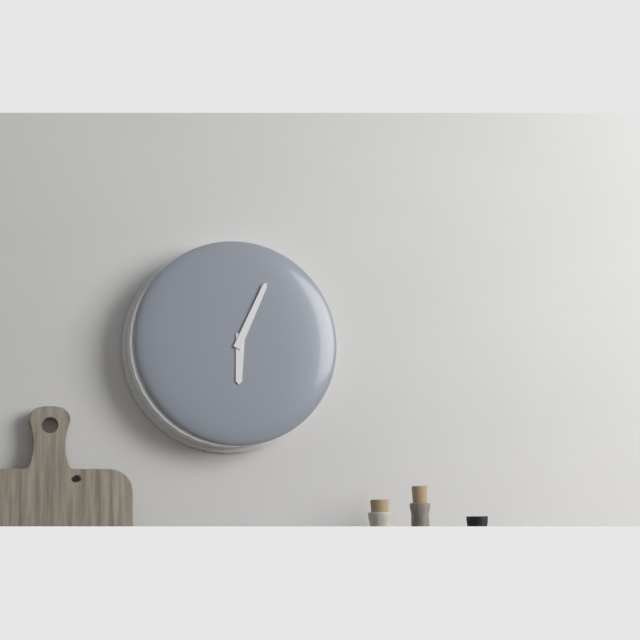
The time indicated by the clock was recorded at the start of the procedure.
6:04
